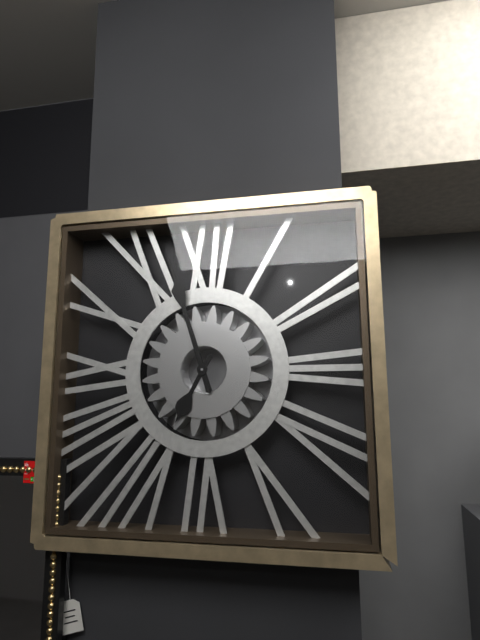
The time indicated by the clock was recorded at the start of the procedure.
6:57
